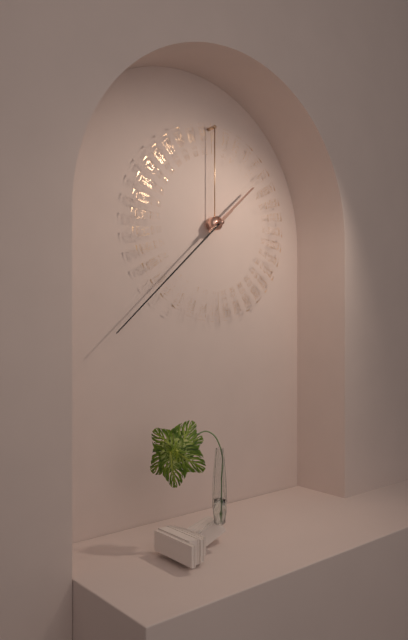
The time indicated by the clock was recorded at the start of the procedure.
1:38
